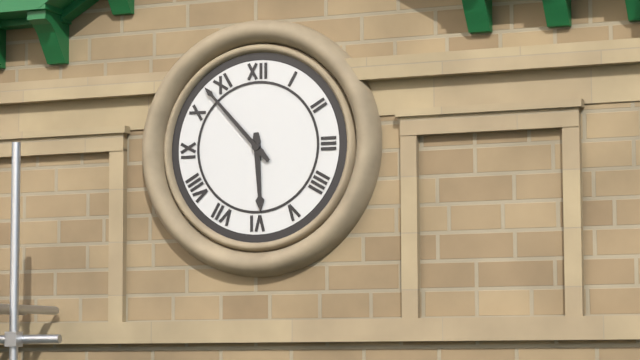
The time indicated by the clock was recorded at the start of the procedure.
5:53
